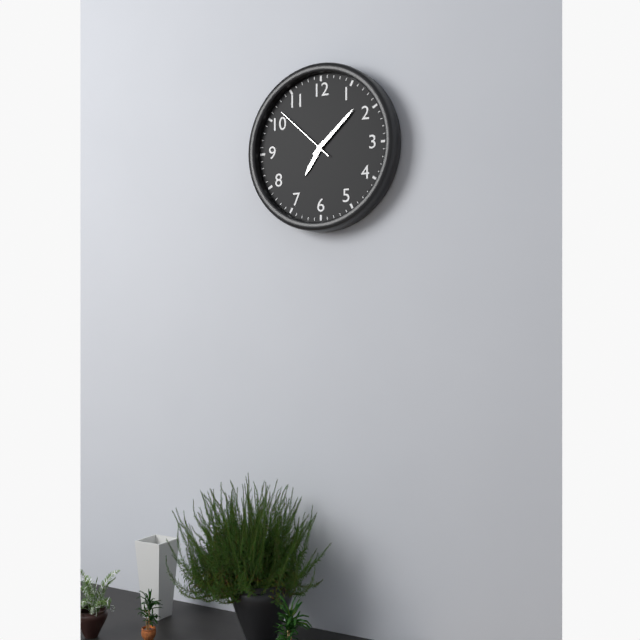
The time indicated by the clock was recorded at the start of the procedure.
7:08:52
